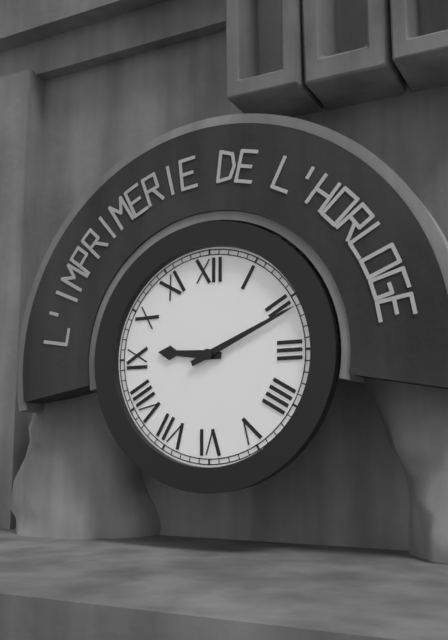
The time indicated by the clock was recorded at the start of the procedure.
9:11
